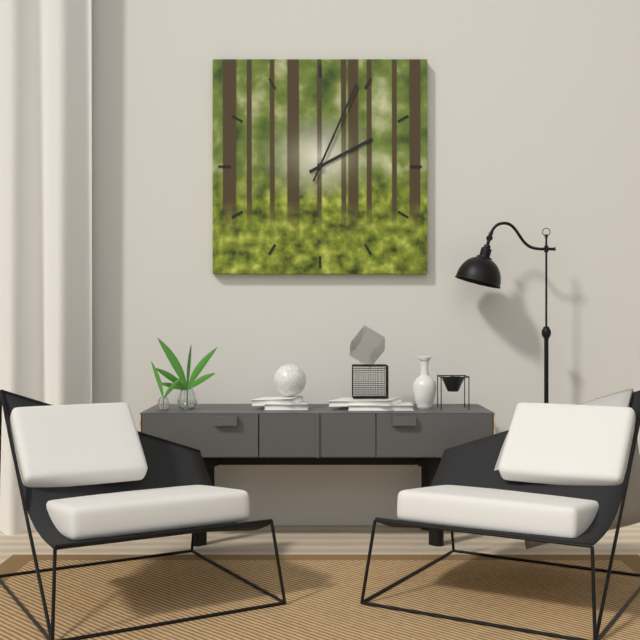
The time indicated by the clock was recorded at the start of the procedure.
2:04
